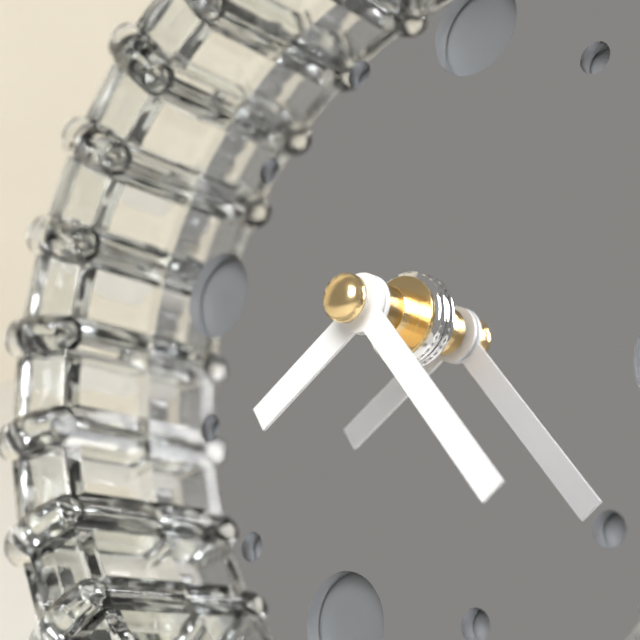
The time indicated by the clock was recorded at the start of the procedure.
7:21
